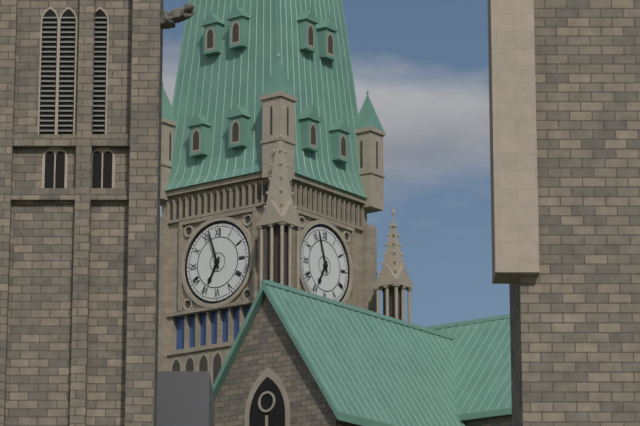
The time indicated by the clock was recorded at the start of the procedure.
6:57
